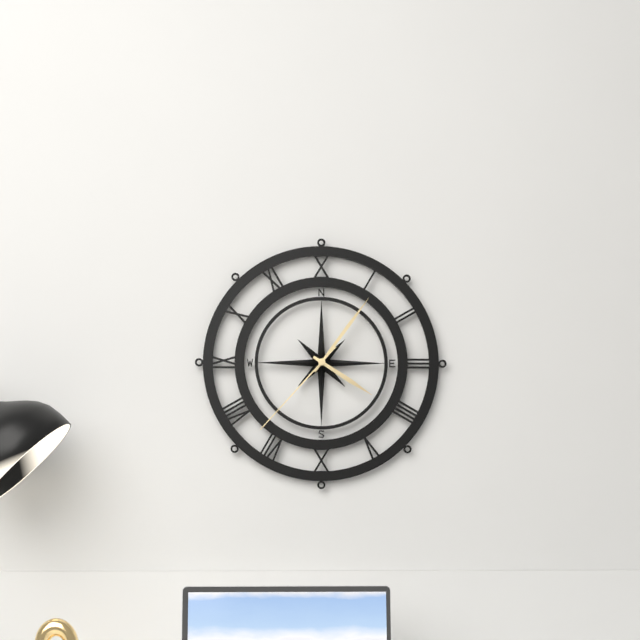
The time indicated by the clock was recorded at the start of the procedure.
4:06:37
